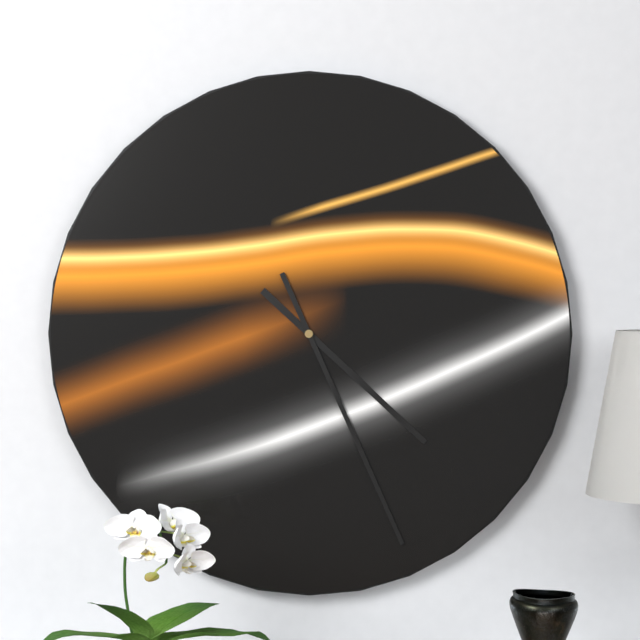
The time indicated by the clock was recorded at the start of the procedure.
4:26
